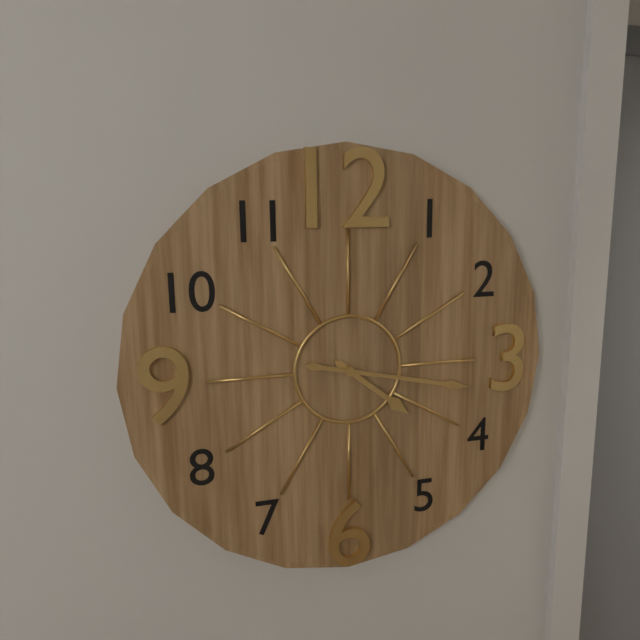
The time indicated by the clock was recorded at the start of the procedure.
4:17
